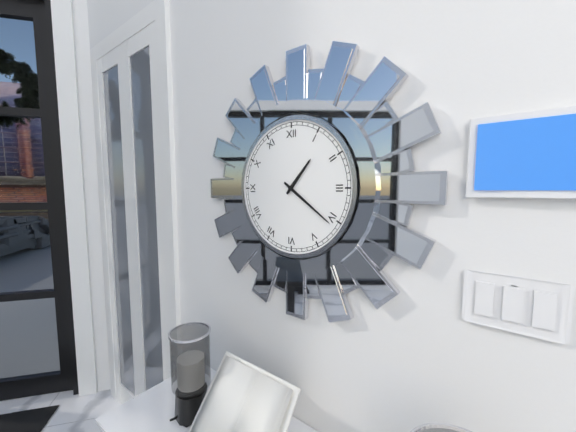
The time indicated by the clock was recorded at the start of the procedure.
1:21
